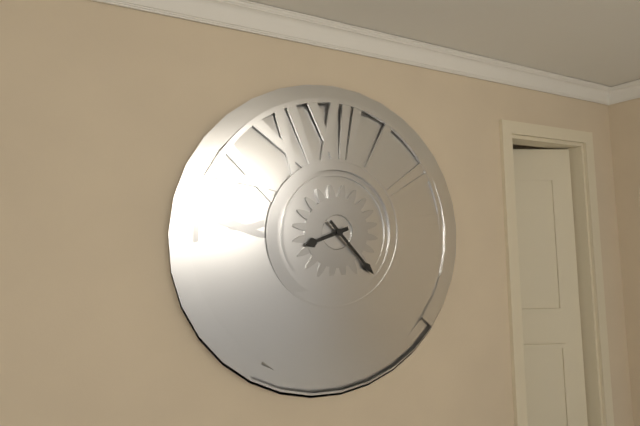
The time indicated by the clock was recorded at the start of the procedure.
8:23
